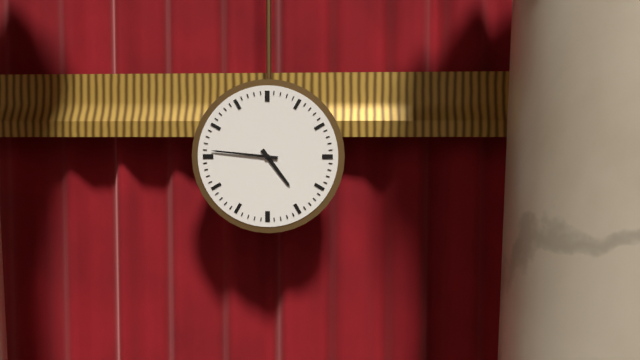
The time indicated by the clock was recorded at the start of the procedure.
4:46
